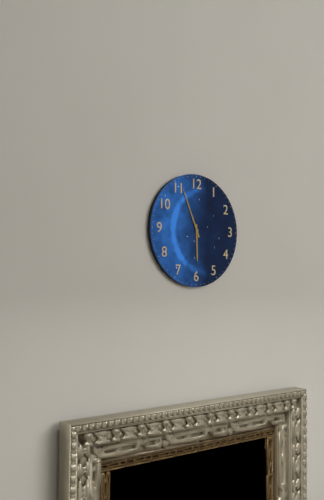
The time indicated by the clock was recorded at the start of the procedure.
5:56
